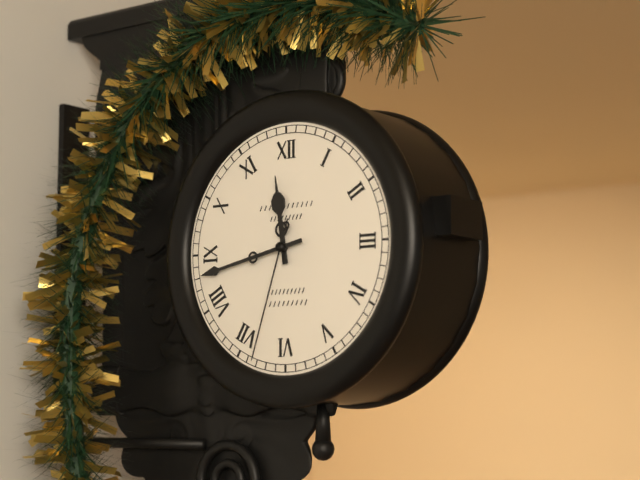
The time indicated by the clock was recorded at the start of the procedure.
11:43:33
